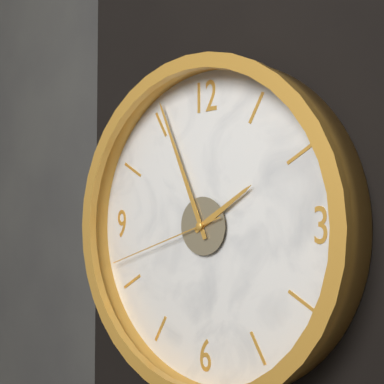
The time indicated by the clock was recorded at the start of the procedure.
1:56:42
